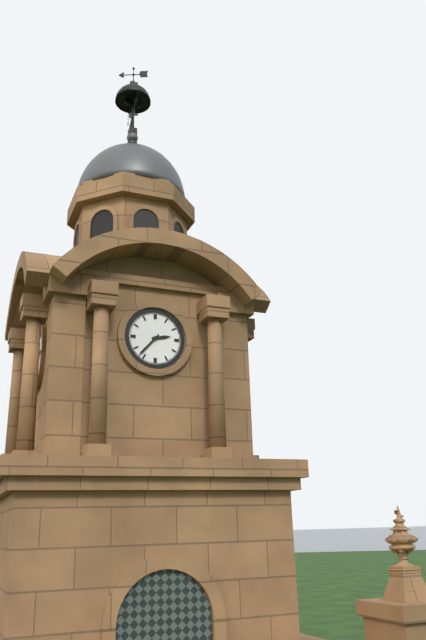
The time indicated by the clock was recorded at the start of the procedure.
2:37
